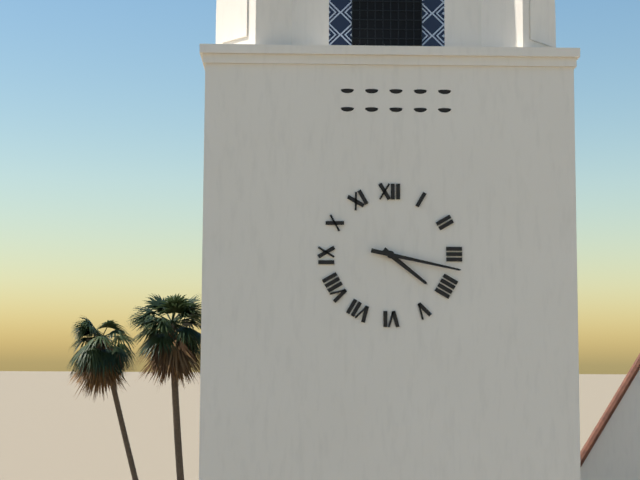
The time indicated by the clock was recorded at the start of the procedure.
4:17
